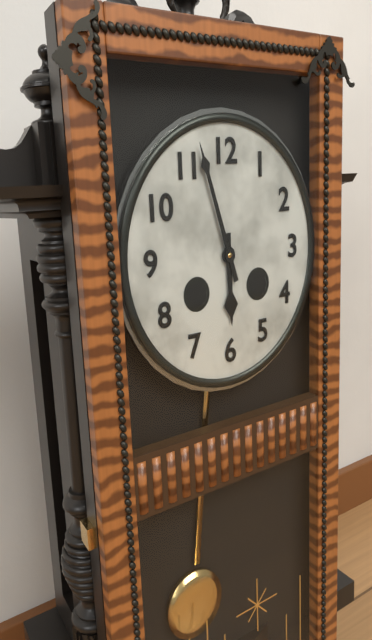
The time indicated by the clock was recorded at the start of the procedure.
5:57
